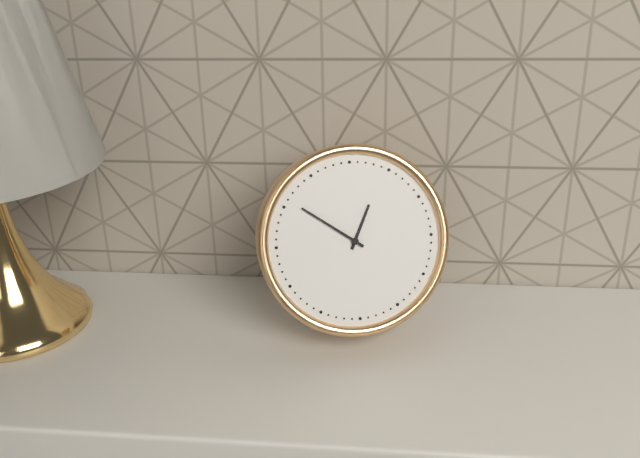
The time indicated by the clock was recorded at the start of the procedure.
12:51
